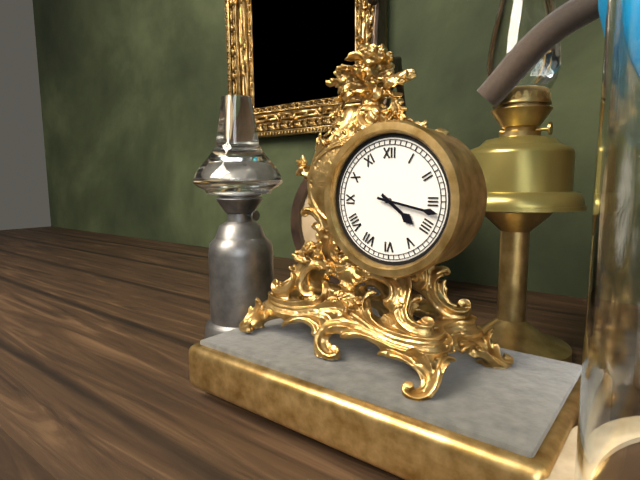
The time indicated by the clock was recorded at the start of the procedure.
4:17
